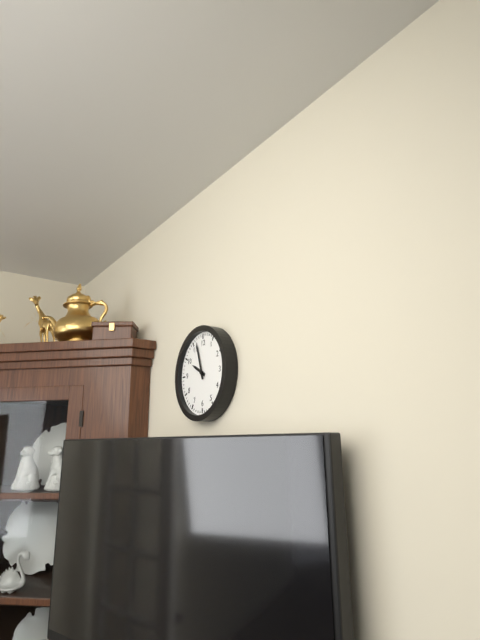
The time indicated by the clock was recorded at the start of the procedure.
9:57
